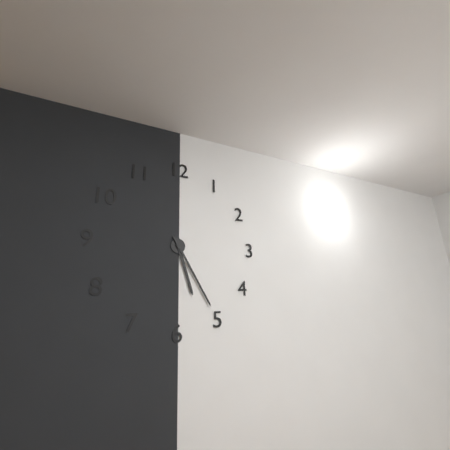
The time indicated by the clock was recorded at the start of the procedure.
5:25
